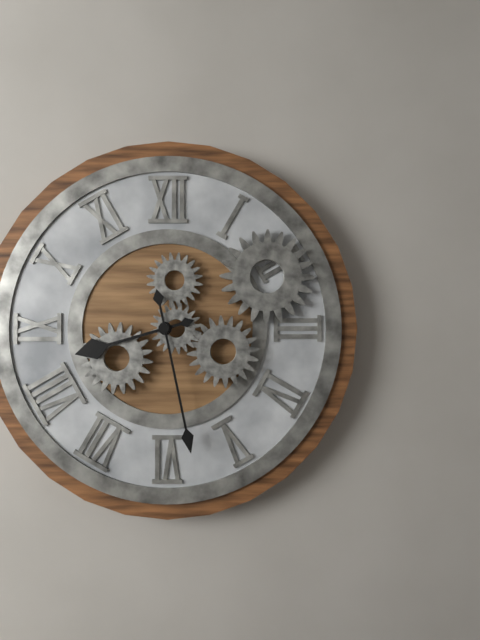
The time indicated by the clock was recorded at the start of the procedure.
8:28
